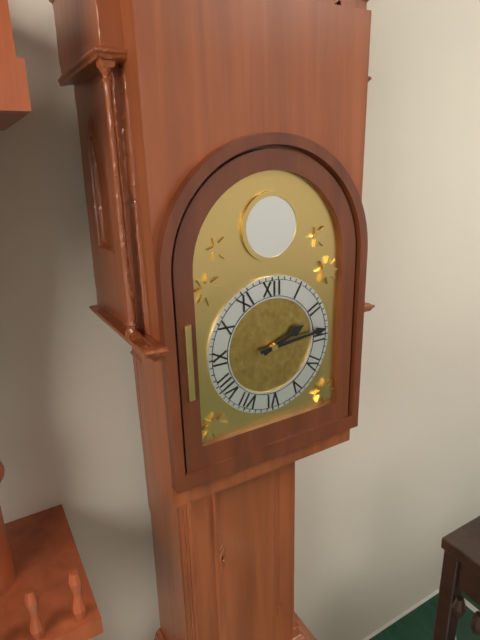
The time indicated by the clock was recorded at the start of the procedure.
2:14
